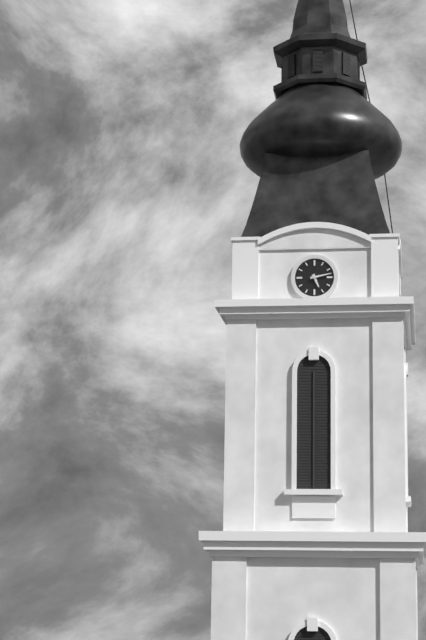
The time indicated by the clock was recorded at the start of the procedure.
5:13
